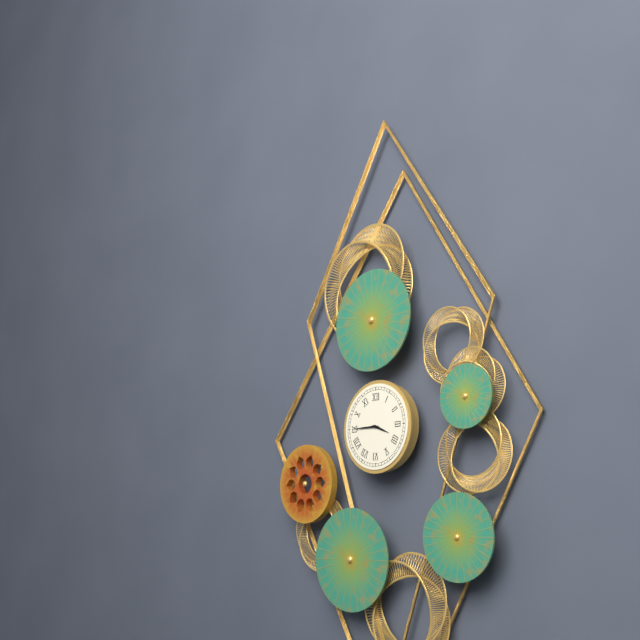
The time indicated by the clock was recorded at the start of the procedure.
3:45
